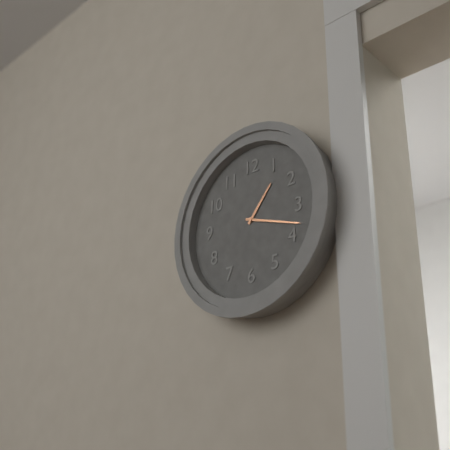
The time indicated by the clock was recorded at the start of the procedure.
1:18
